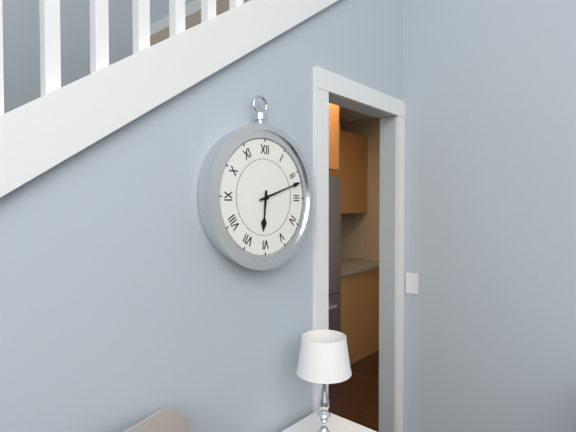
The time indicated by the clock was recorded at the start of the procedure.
6:12
